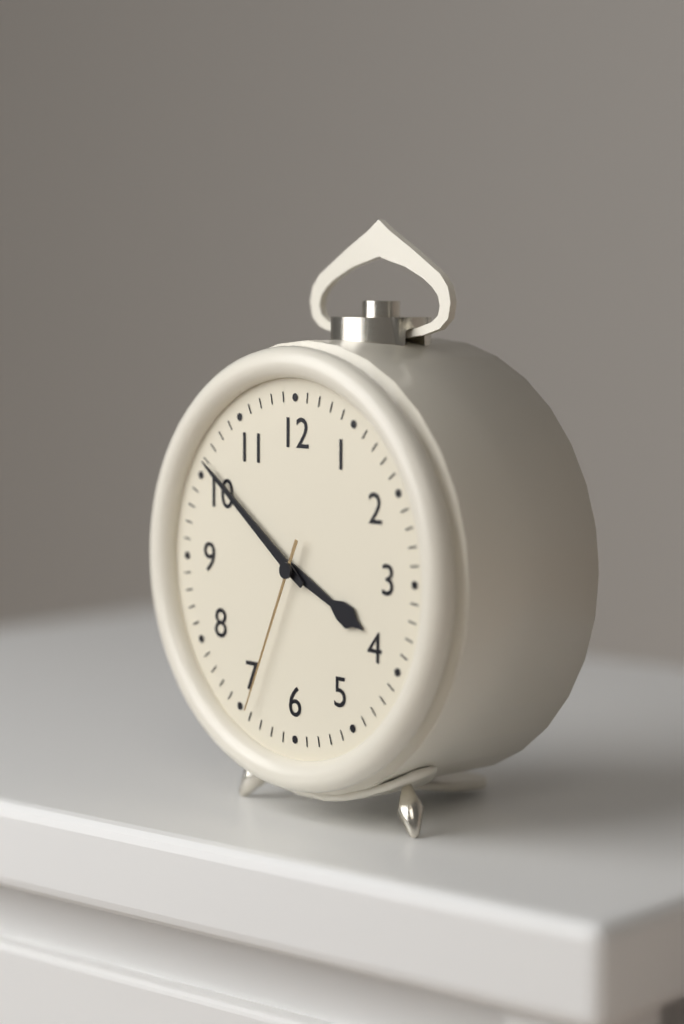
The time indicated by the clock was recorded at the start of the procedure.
3:51:34
